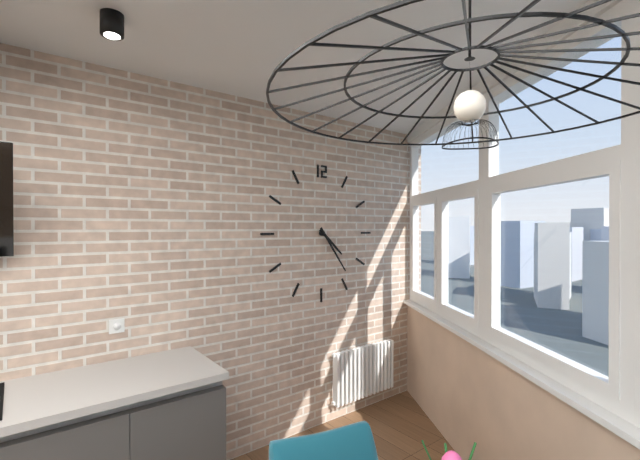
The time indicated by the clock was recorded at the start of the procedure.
4:24
